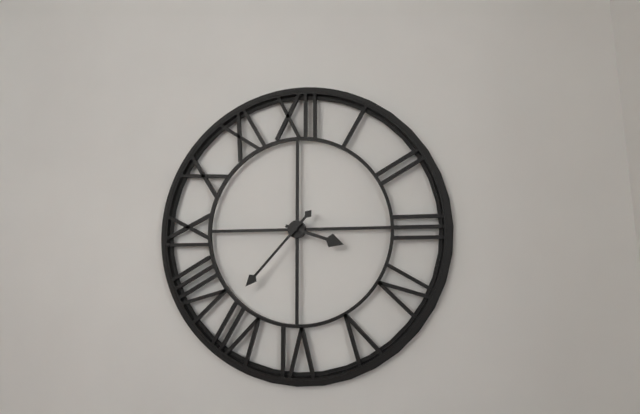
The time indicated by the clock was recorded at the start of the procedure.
3:37
